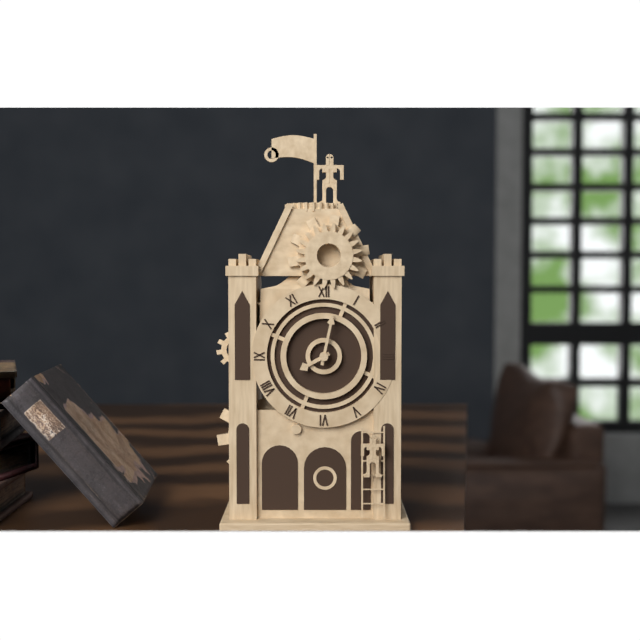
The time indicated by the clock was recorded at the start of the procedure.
8:02
